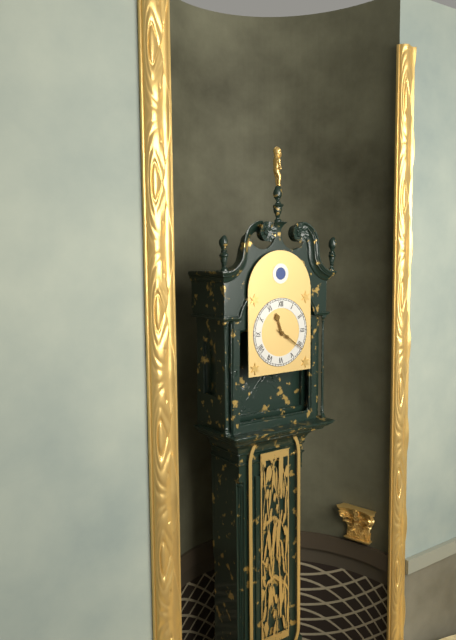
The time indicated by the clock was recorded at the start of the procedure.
11:21
